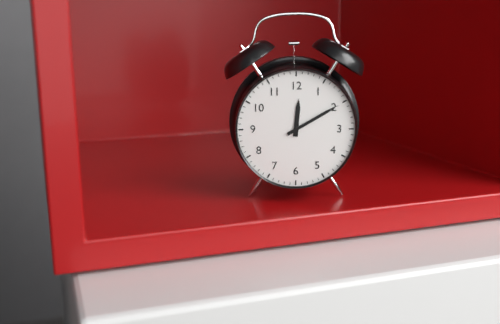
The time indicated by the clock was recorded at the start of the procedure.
12:10
